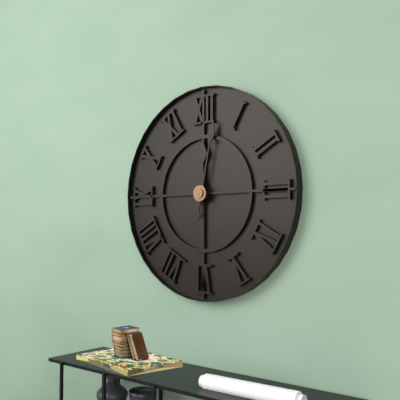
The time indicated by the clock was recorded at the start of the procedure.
12:02
